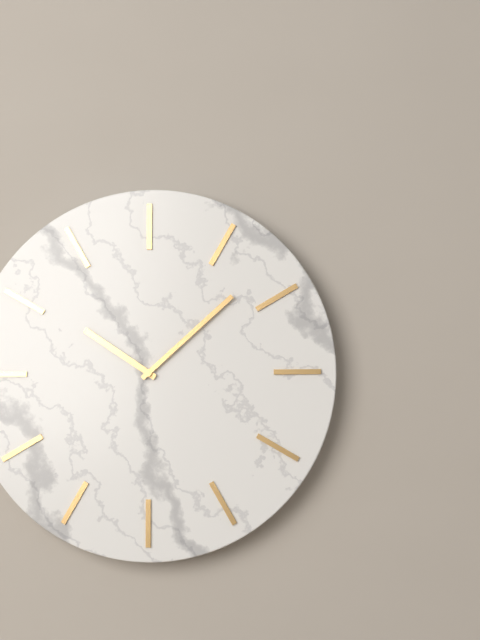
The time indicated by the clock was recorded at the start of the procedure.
10:08
